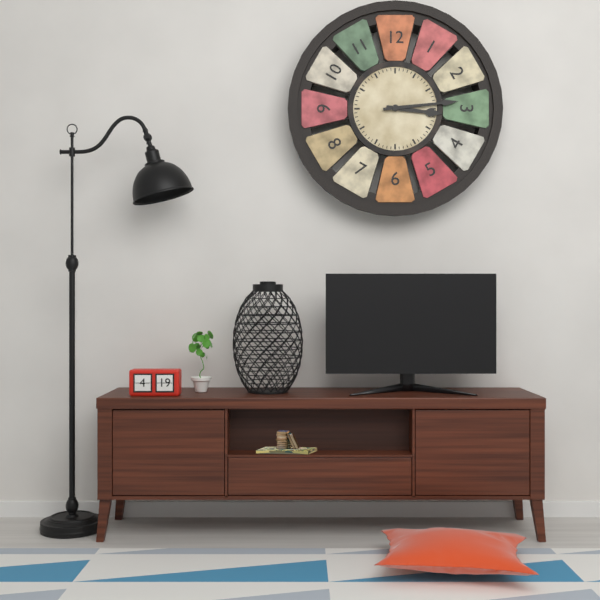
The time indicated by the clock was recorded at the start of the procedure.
3:14
